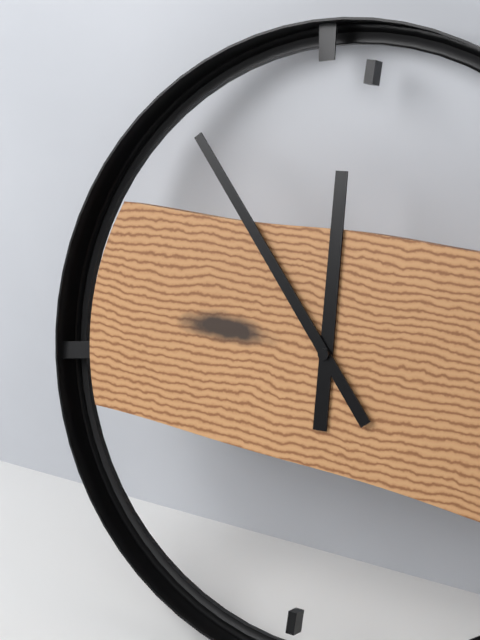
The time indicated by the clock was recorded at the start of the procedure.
11:53
